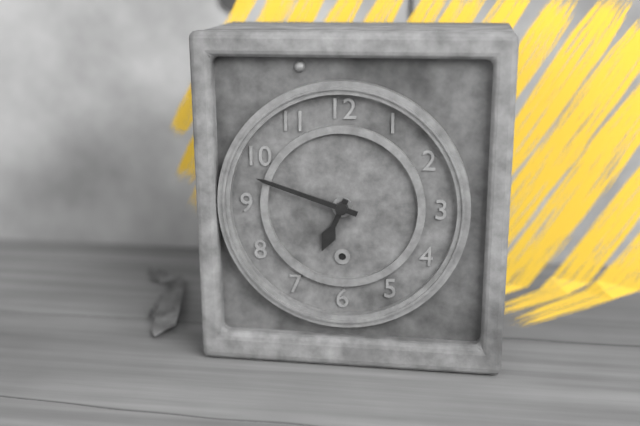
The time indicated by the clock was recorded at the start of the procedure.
6:48
